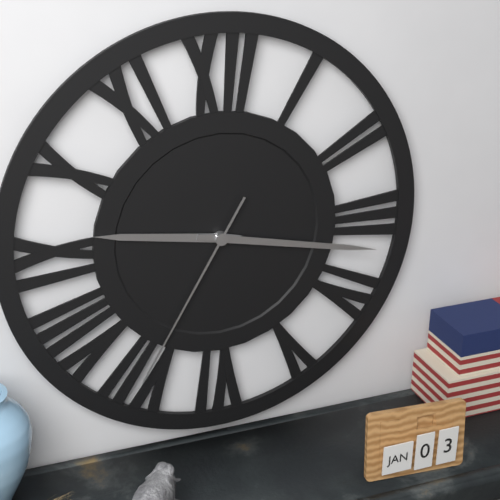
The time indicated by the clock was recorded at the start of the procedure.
9:17:35
